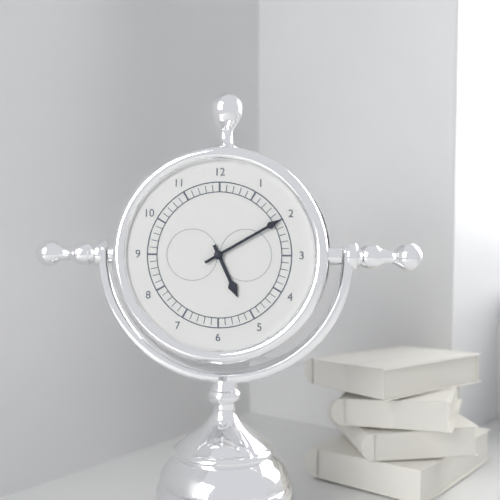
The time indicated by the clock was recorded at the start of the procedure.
5:10
